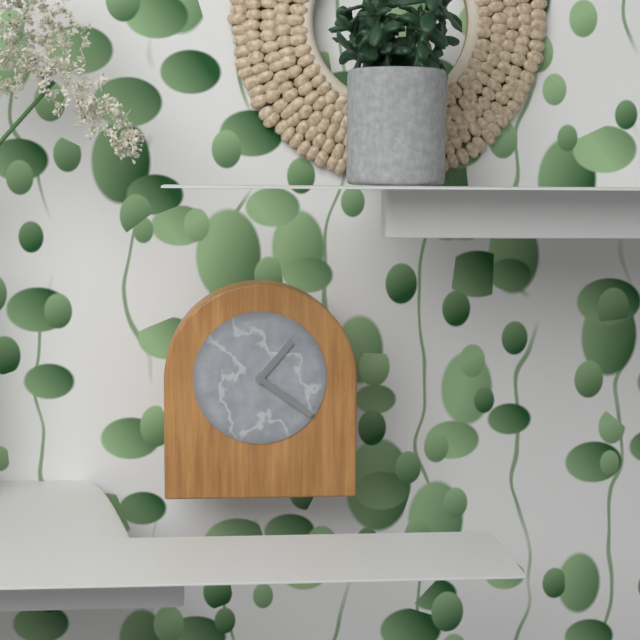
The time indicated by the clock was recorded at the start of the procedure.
1:21
